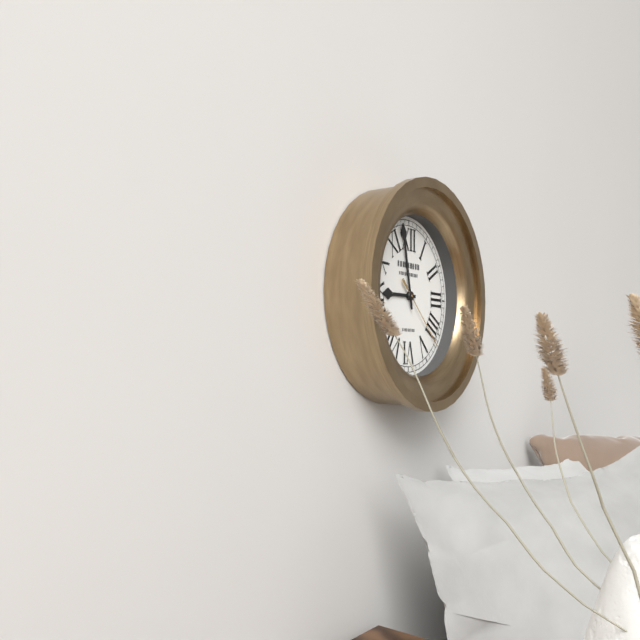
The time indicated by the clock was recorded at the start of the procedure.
8:58:22
